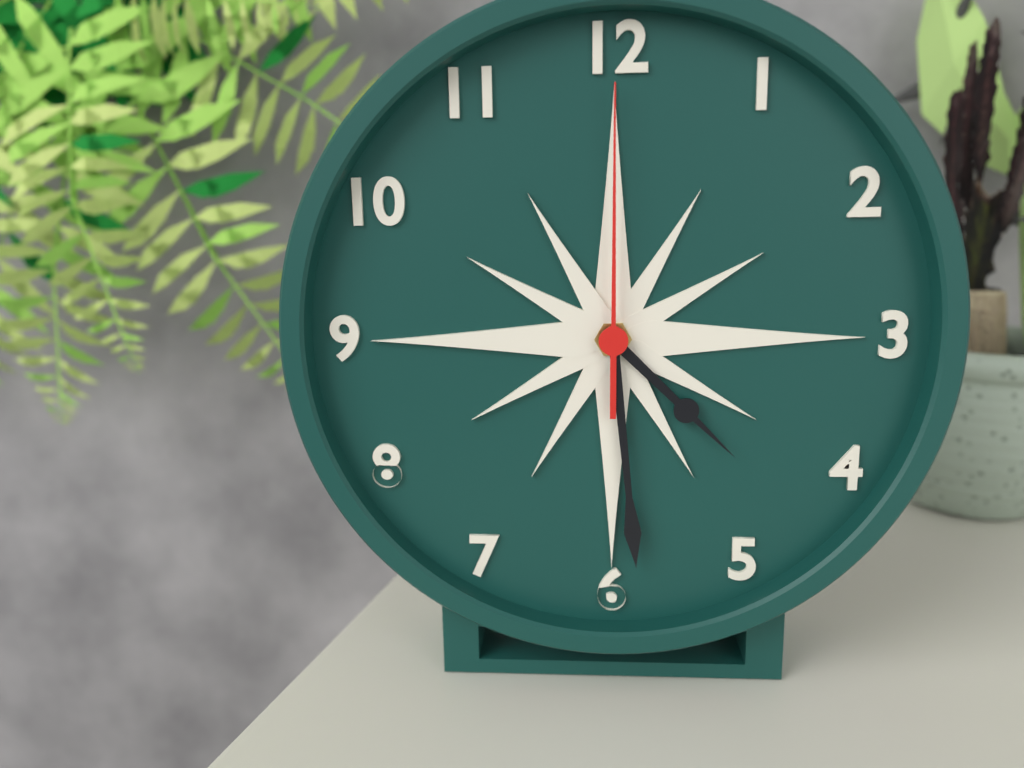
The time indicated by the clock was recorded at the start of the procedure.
4:29:00
